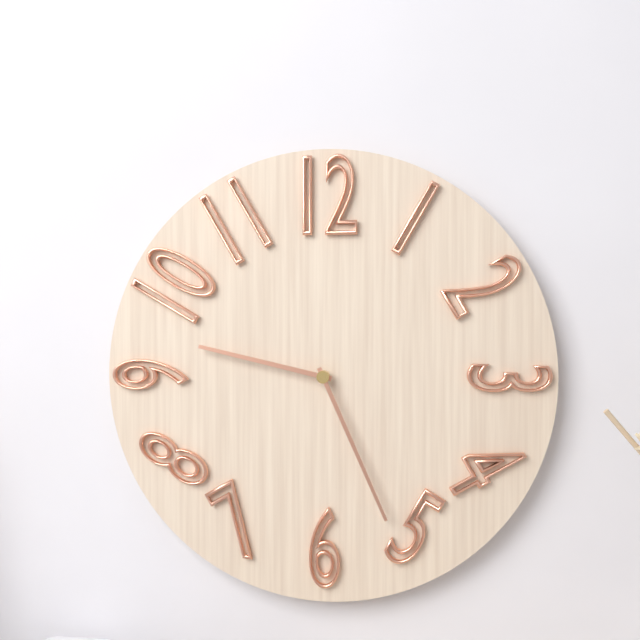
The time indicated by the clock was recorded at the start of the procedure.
9:26
